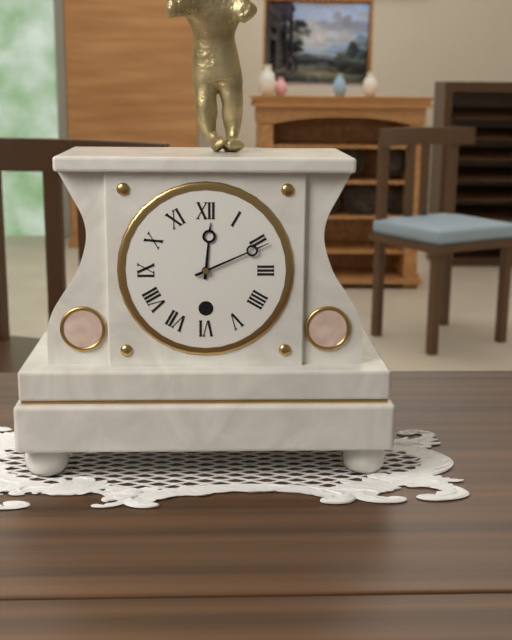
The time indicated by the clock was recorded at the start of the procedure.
12:11
